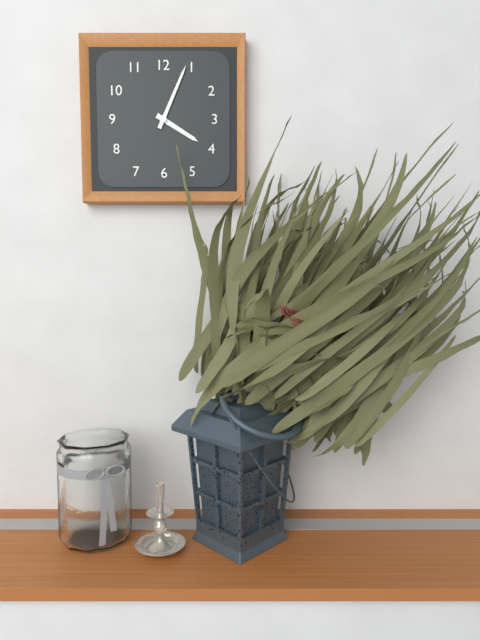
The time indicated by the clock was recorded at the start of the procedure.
4:04
